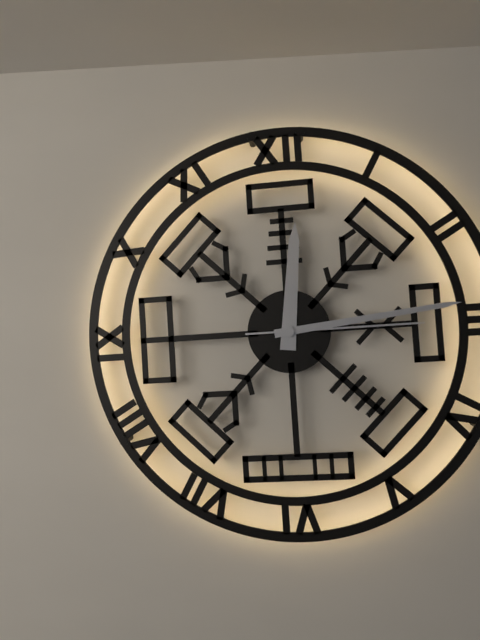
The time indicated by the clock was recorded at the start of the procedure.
12:14:15
